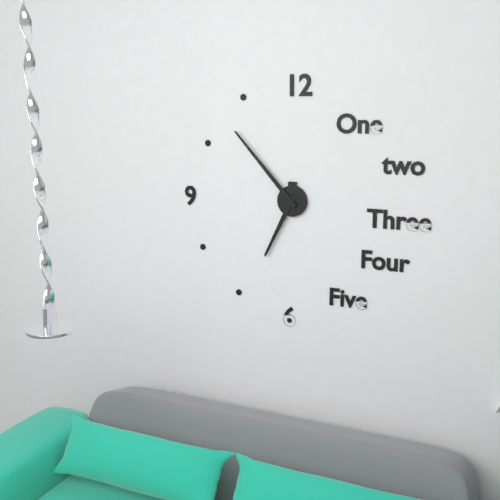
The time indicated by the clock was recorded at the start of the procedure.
6:53
